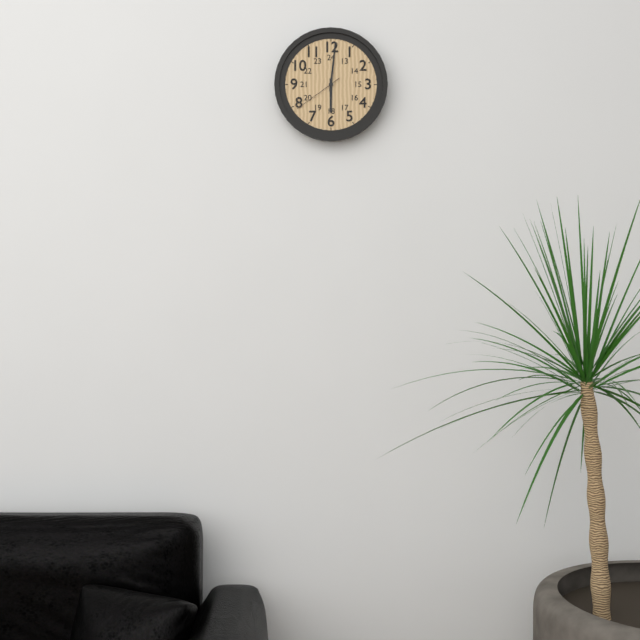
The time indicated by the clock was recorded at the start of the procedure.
6:01:39
